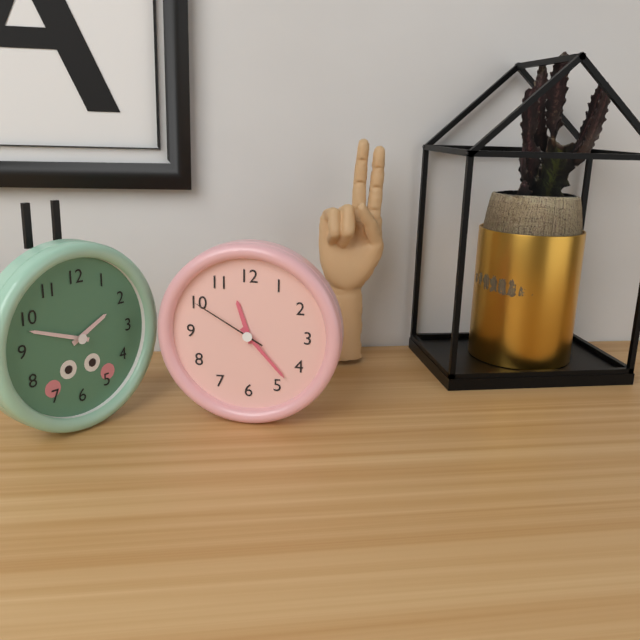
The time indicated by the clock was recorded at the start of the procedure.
11:23:50
